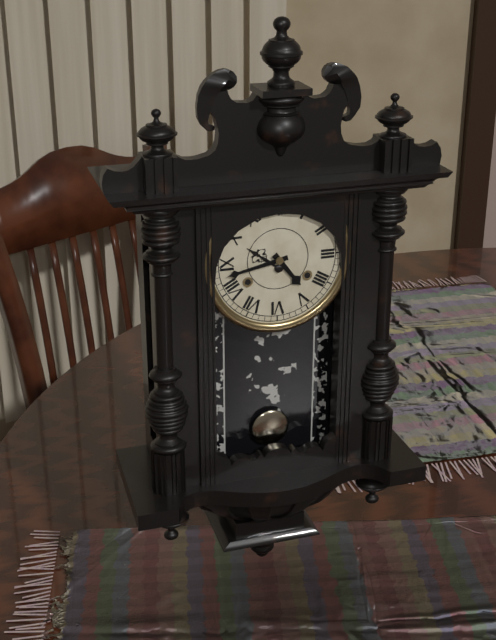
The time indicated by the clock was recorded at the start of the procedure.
4:43
